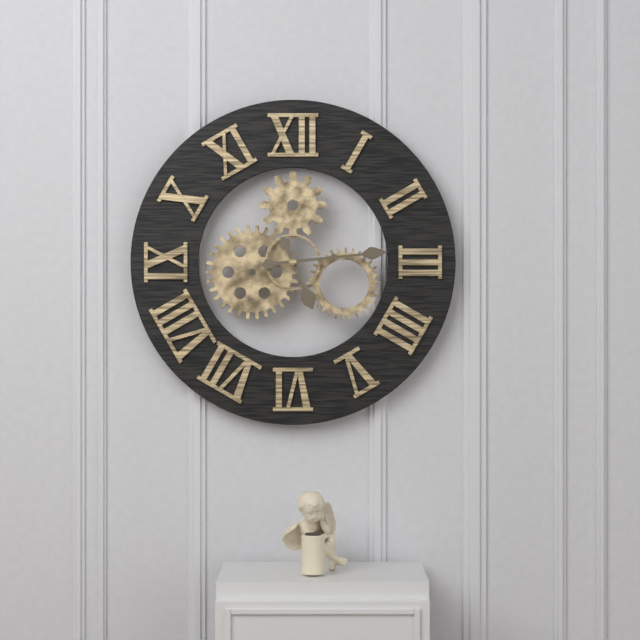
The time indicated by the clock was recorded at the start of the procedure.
5:14
